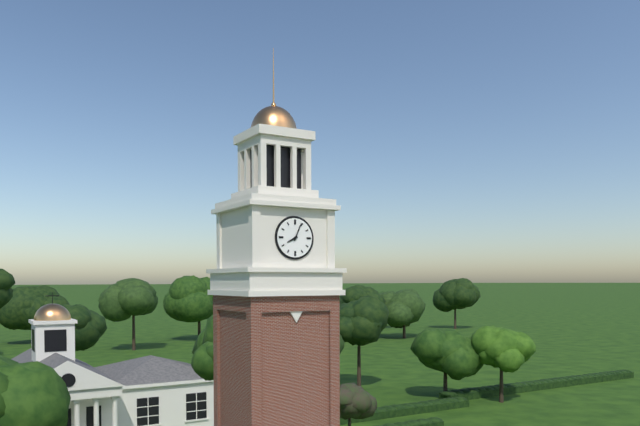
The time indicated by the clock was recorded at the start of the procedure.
8:04
